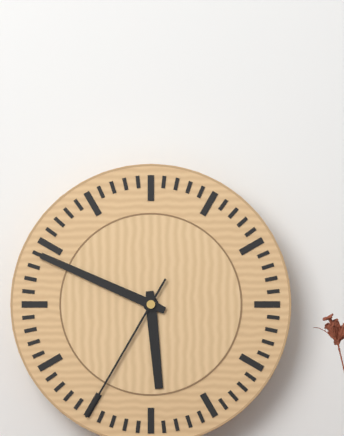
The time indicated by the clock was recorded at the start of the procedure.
5:49:35
